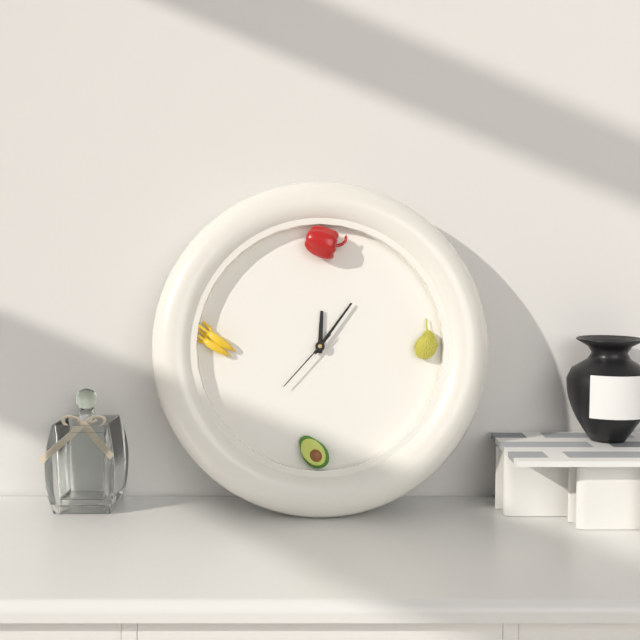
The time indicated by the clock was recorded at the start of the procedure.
12:06:37
